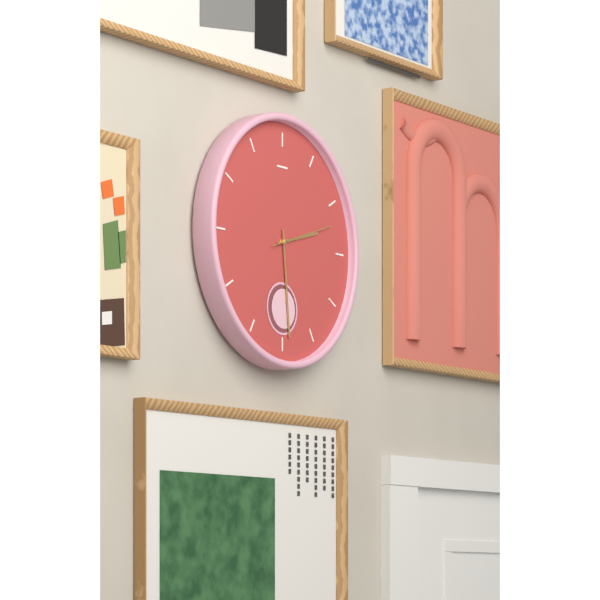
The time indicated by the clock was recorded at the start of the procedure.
2:29:12
